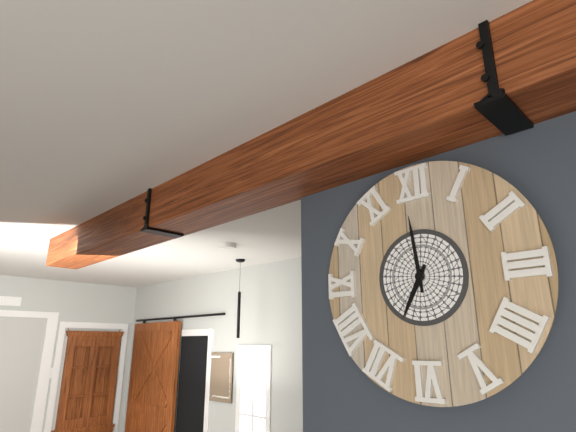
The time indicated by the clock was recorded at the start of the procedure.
6:59
